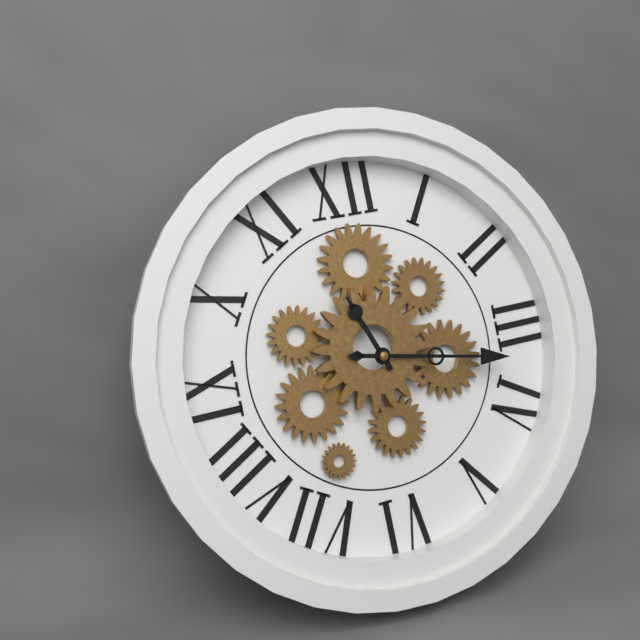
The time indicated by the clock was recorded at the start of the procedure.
11:17
